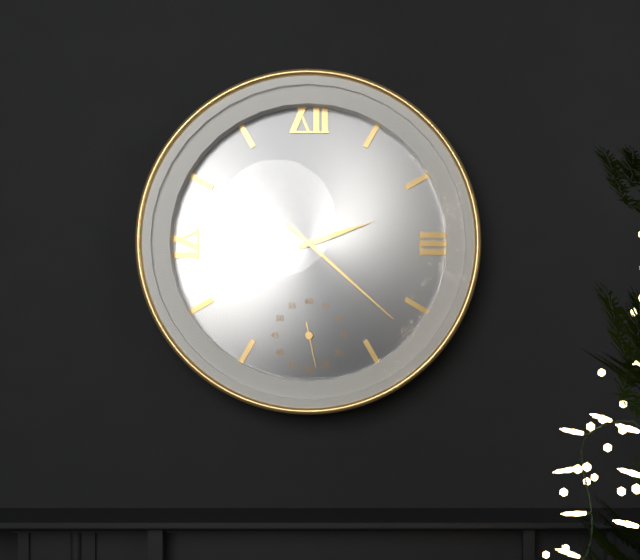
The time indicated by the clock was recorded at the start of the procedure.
2:22
